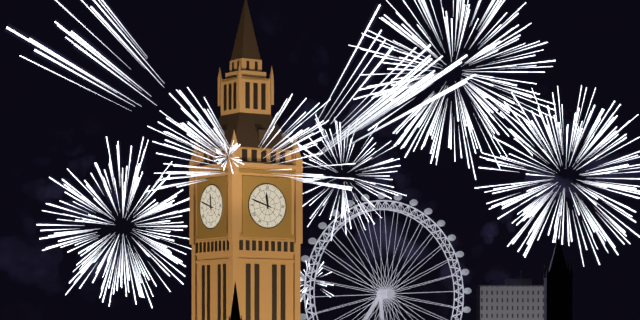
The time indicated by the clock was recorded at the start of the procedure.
11:48
